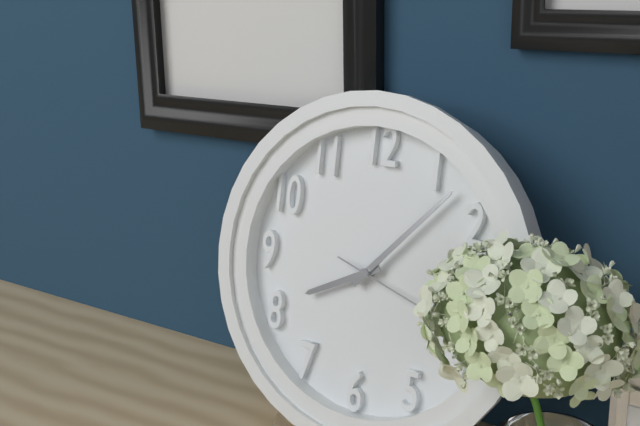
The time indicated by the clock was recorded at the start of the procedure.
8:07
